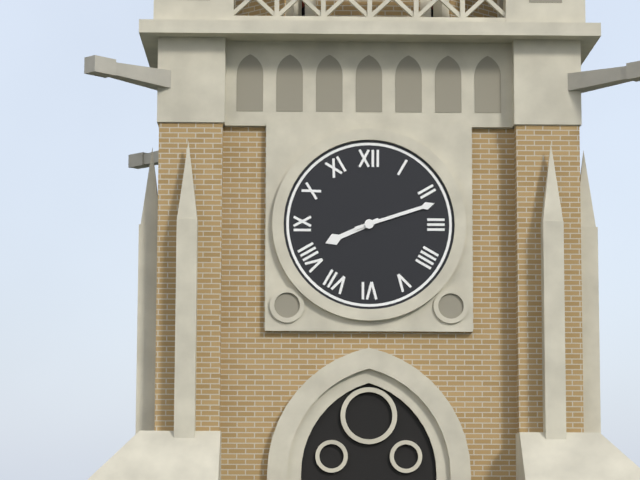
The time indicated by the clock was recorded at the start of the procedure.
8:12
